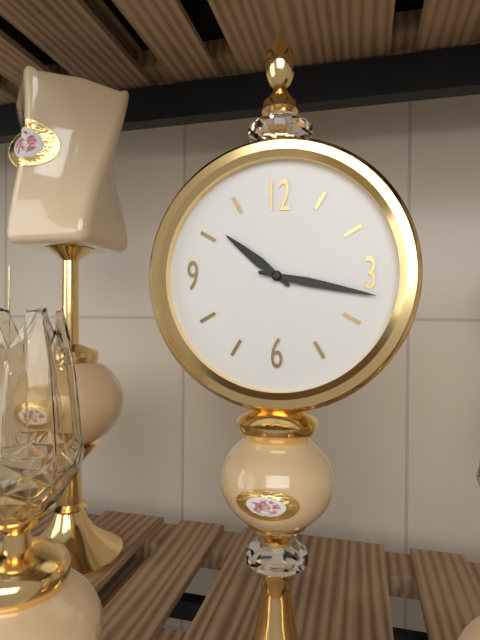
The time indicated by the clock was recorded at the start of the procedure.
10:17
